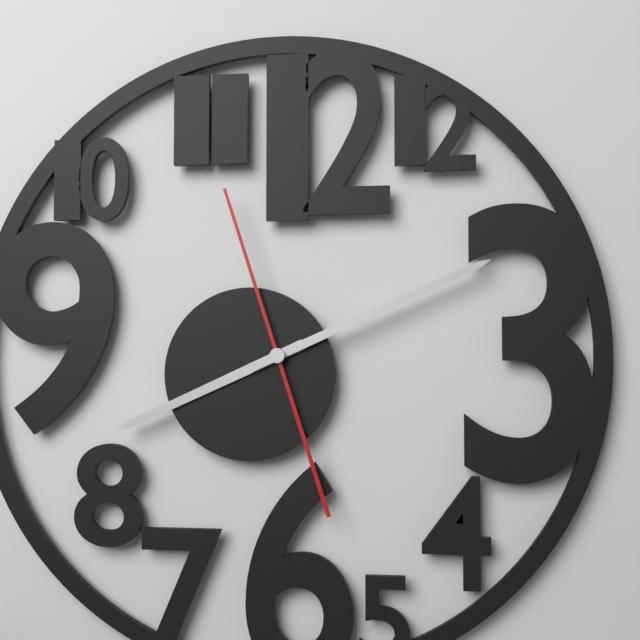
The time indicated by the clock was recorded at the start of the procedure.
8:11:57
